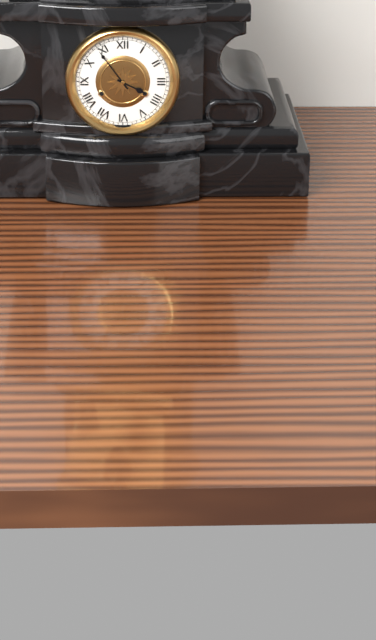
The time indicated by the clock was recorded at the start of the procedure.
3:54
